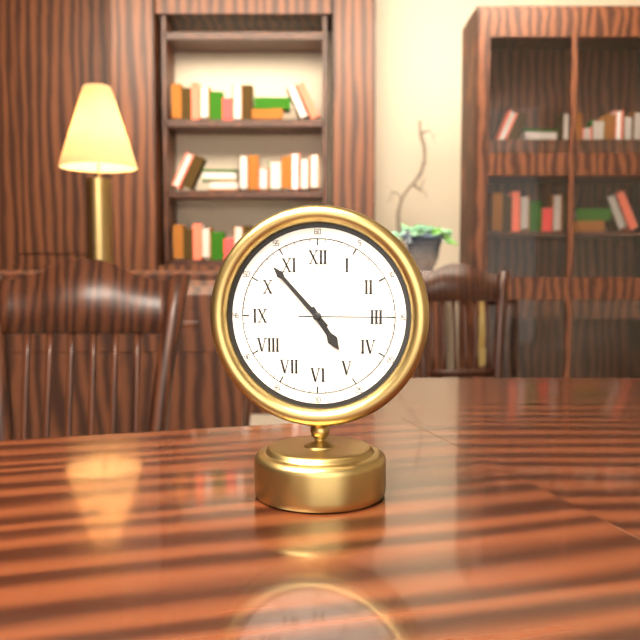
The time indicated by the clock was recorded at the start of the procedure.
4:53:15
